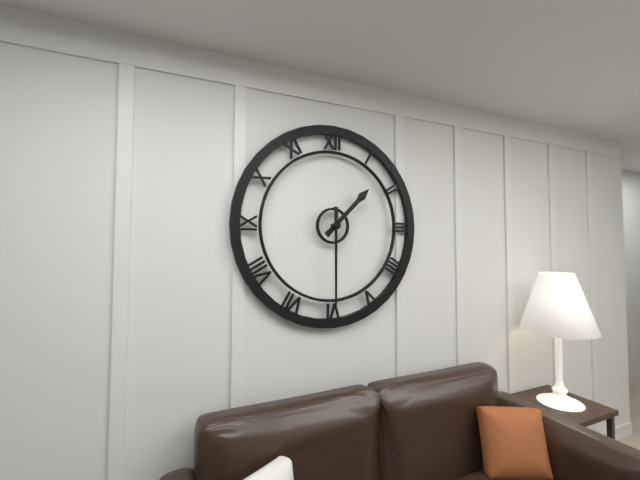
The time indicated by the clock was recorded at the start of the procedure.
1:30
